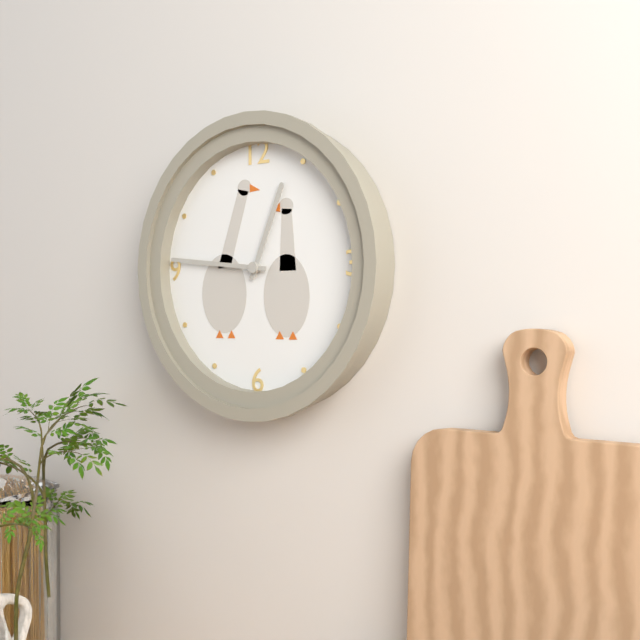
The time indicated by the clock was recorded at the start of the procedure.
12:46
